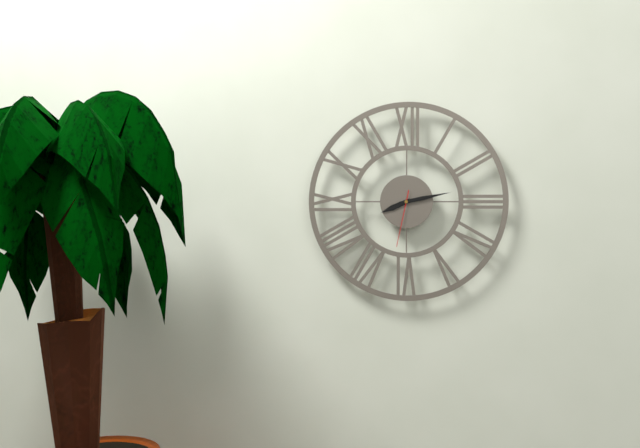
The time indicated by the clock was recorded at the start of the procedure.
8:13:32
